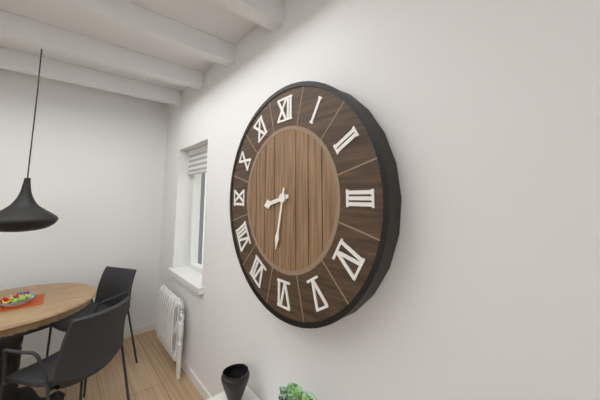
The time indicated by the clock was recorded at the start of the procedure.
8:32
